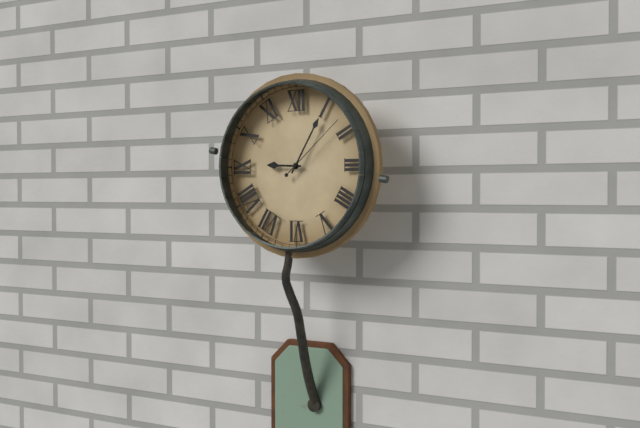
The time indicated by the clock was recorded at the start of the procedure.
9:05:08
